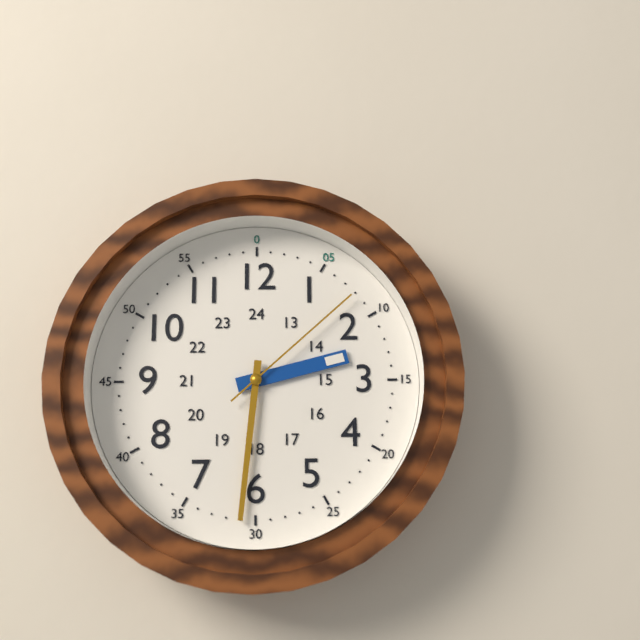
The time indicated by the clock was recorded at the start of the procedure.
2:31:08
